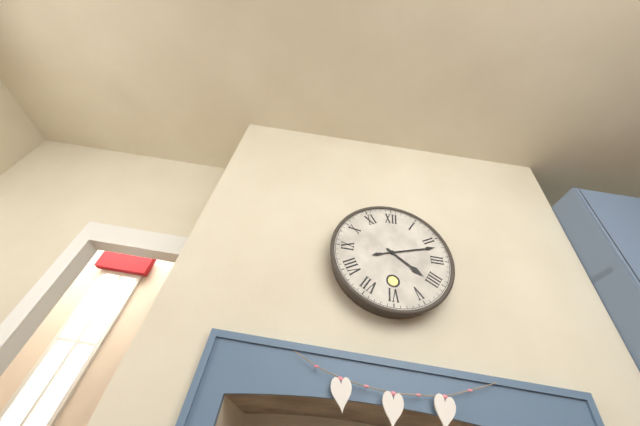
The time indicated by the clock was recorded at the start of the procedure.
4:12
